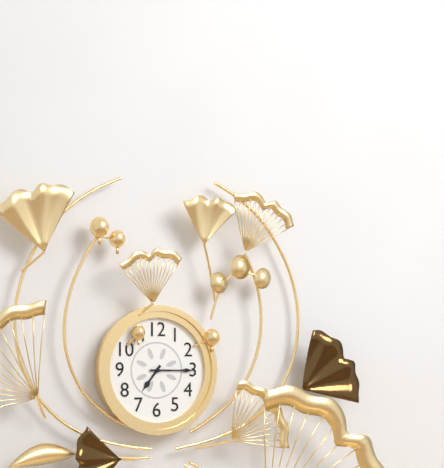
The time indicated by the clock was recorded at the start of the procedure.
7:15
